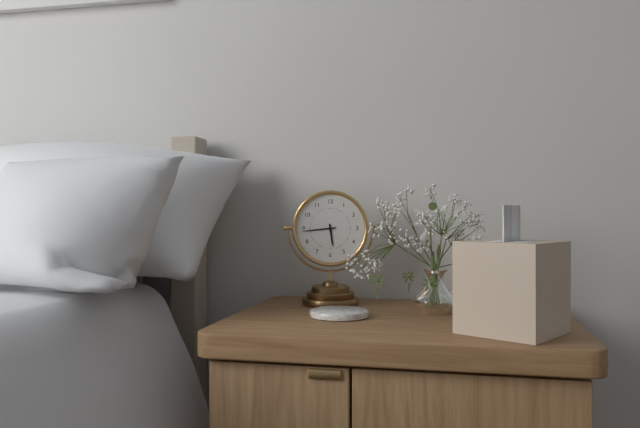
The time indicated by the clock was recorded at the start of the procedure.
5:44
